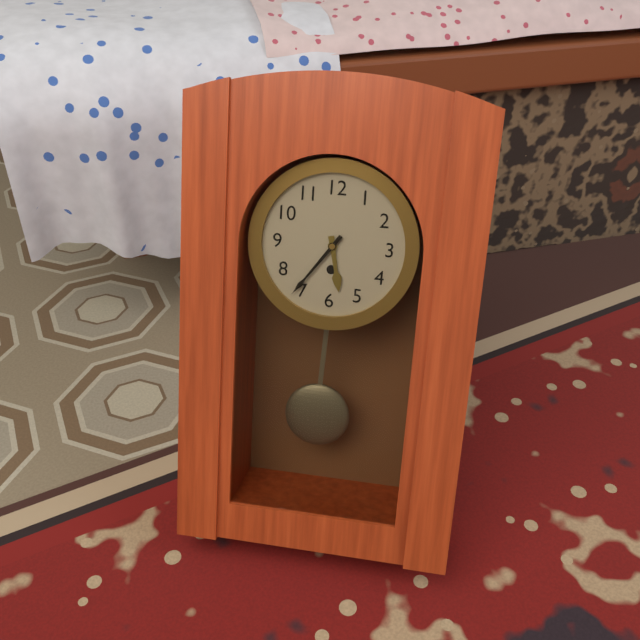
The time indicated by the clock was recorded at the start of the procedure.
5:36
